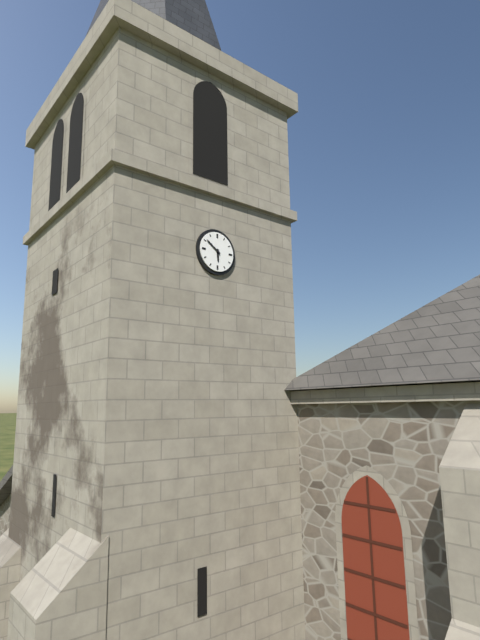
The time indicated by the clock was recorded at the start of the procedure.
5:51
